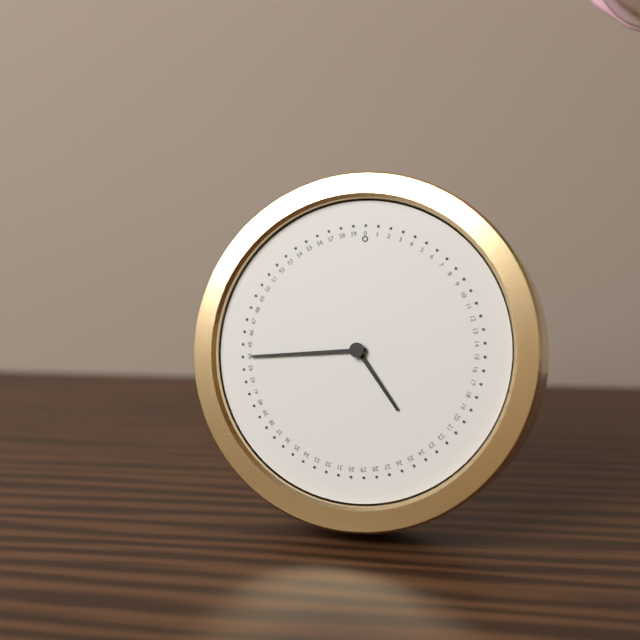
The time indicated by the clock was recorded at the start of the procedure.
4:44
